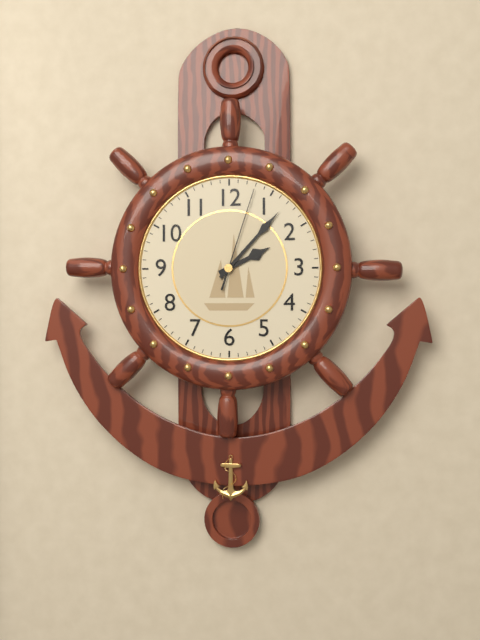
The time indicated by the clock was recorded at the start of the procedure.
2:07:03
